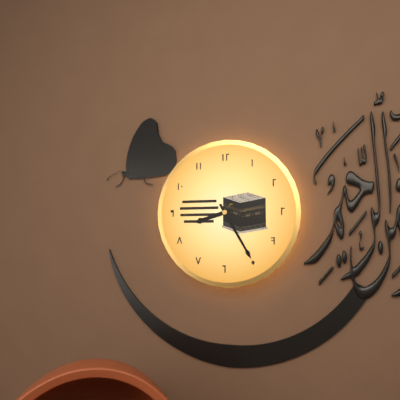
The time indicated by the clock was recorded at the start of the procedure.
8:25
